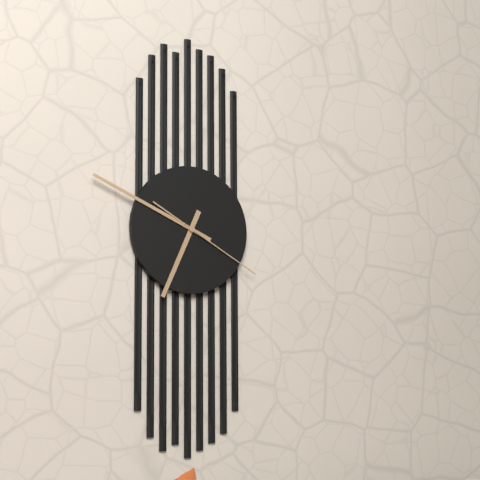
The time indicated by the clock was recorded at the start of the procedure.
6:49:20
